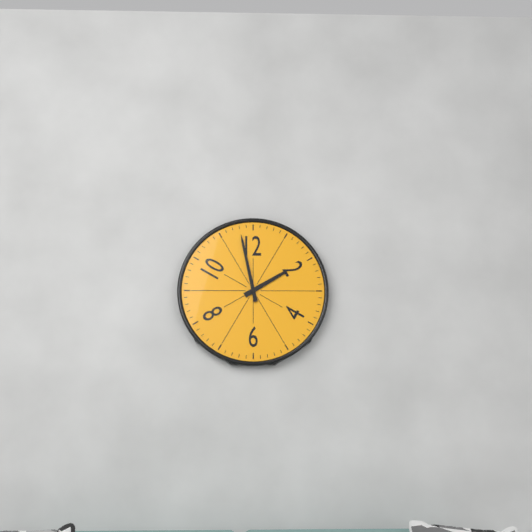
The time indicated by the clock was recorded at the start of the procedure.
1:58
